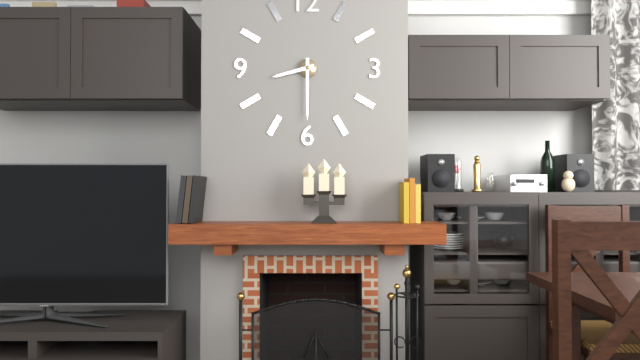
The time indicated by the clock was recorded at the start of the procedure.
8:30
